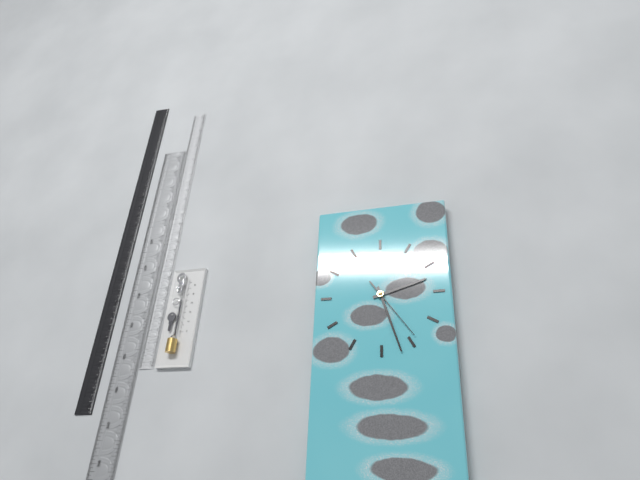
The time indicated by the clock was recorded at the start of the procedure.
2:27:24
